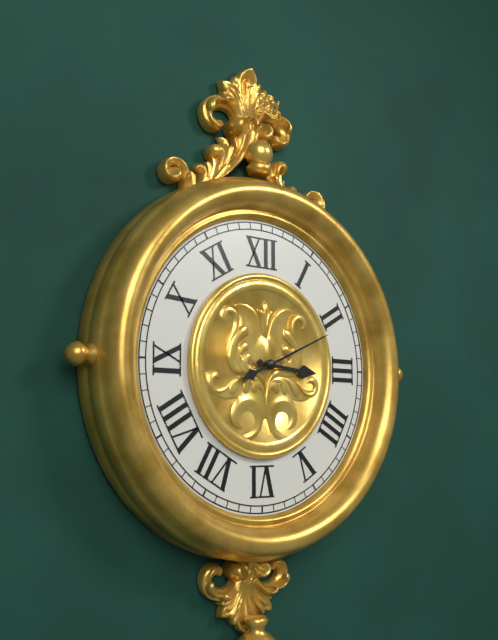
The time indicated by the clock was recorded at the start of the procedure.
3:11
